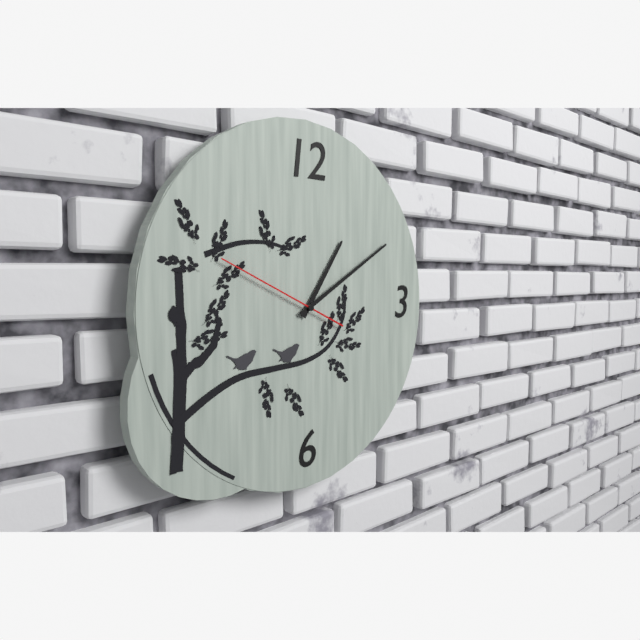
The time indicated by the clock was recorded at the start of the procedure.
1:10:49
